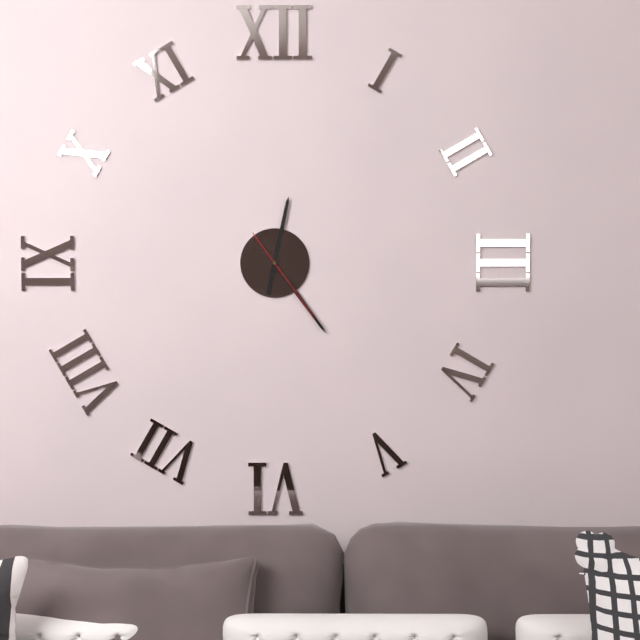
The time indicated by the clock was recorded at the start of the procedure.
12:24:24
